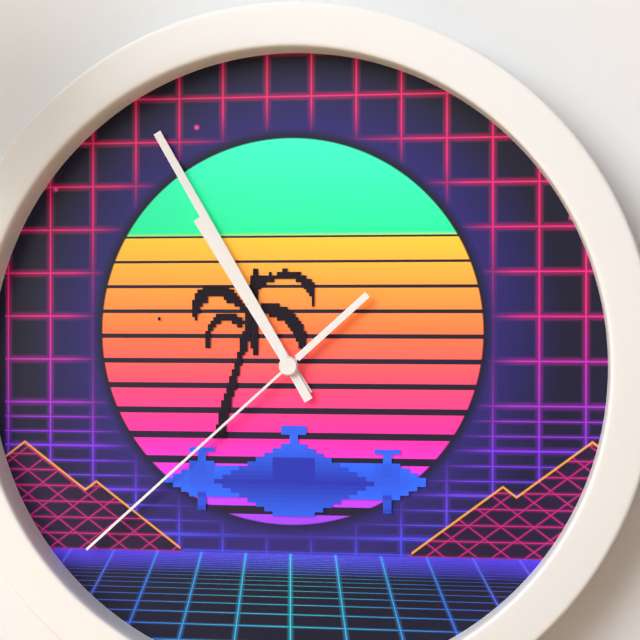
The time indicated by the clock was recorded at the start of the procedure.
10:55:38
